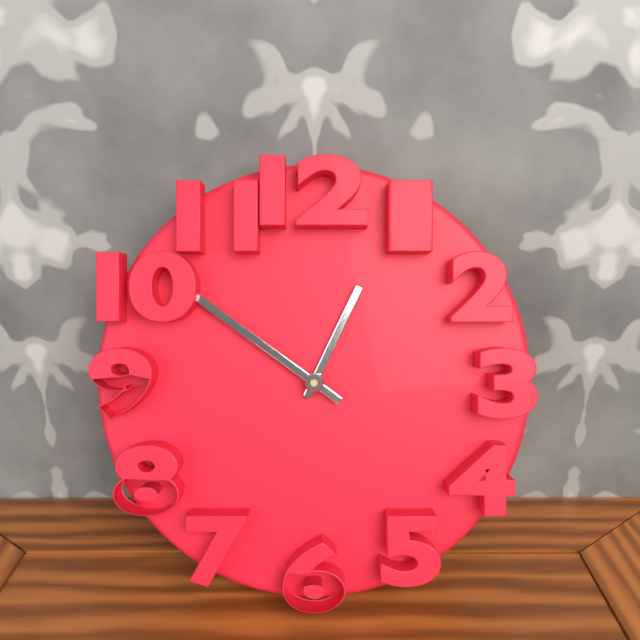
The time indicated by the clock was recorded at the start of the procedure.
12:51
